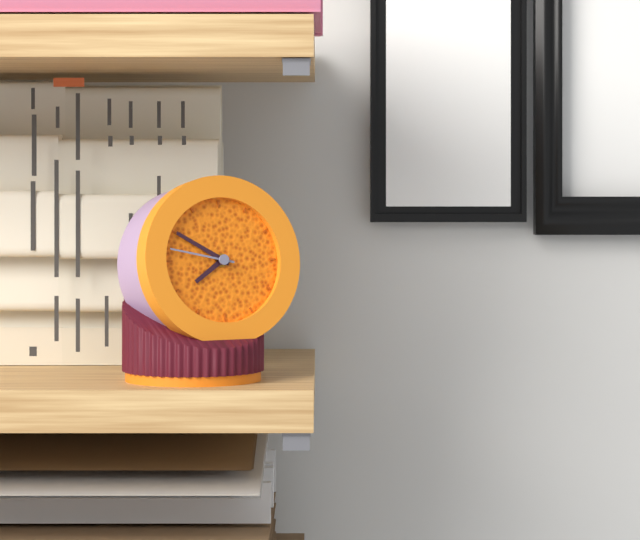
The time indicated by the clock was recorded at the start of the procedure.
7:50:47
